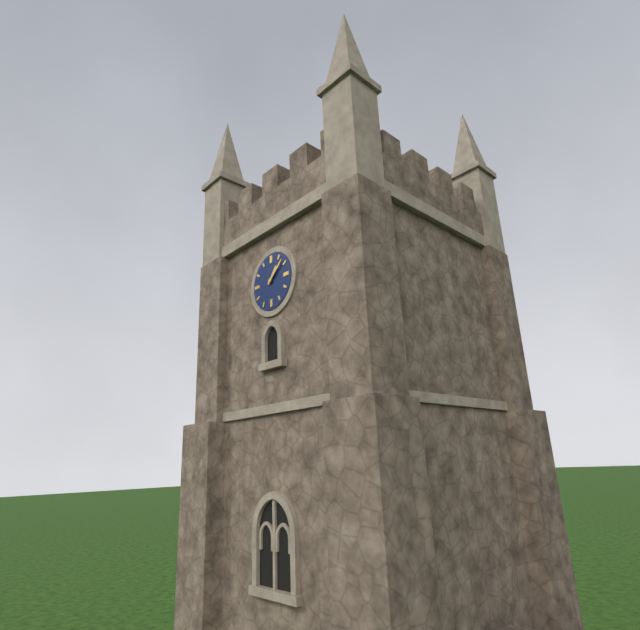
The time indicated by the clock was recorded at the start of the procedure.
1:08
